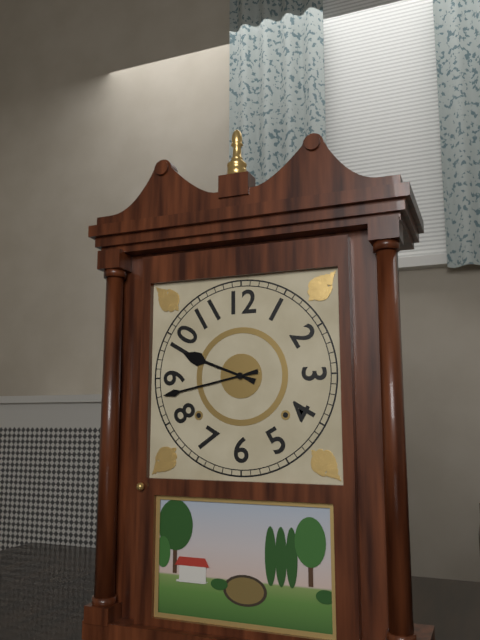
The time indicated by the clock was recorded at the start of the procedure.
9:43
